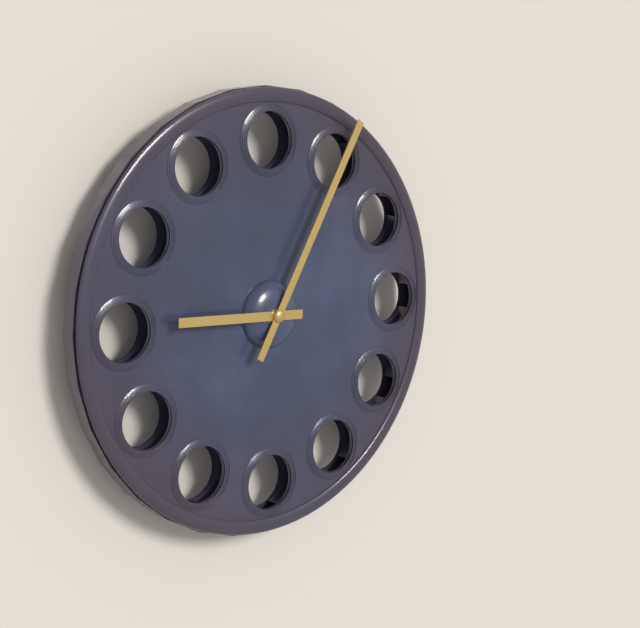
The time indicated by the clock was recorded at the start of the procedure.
9:05
